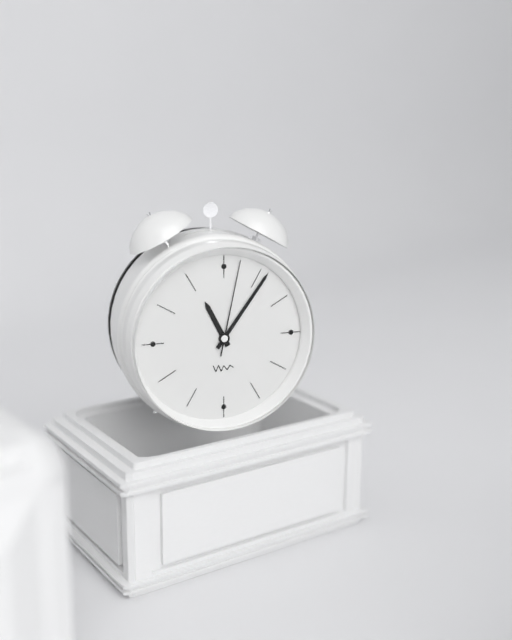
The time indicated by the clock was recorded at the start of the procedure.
11:06:02
